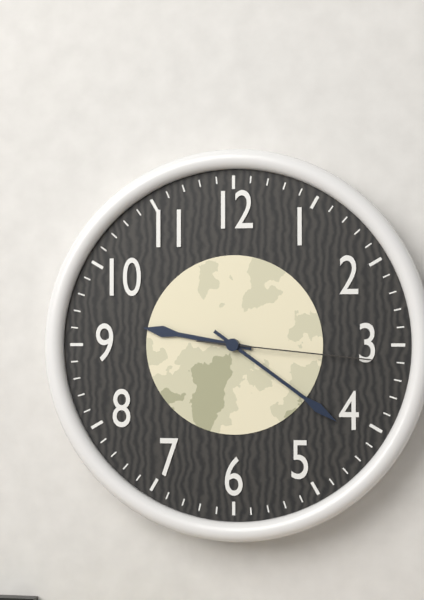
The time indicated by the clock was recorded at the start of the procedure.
9:21:16
